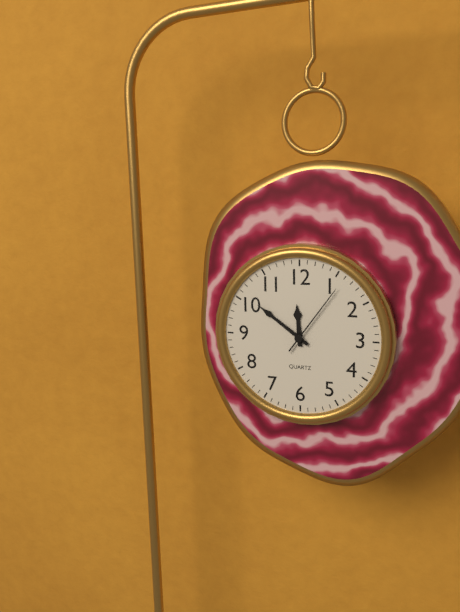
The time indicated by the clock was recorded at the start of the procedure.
11:51:06
